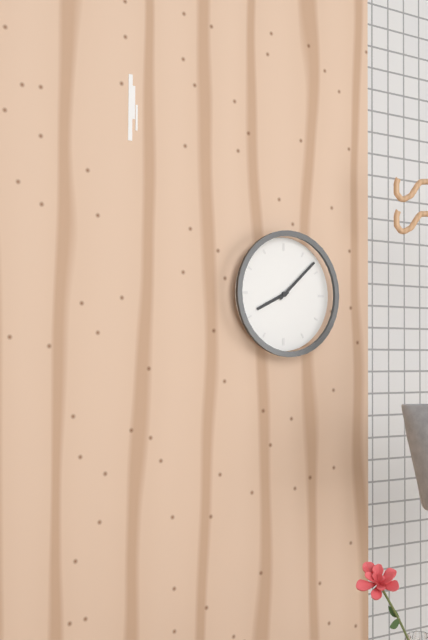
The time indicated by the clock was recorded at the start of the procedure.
8:08
